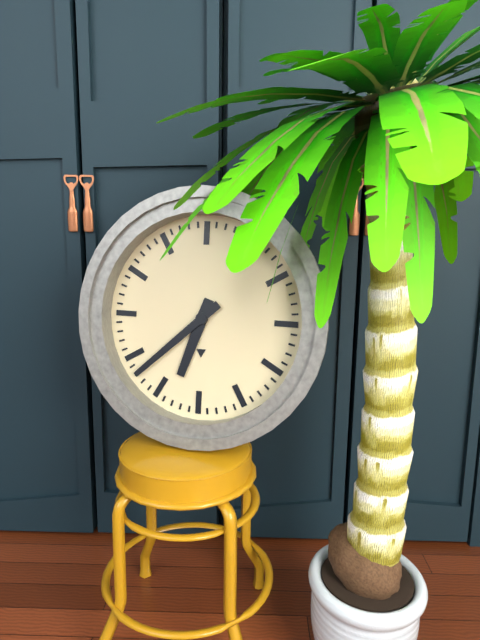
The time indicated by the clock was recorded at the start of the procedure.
6:38
